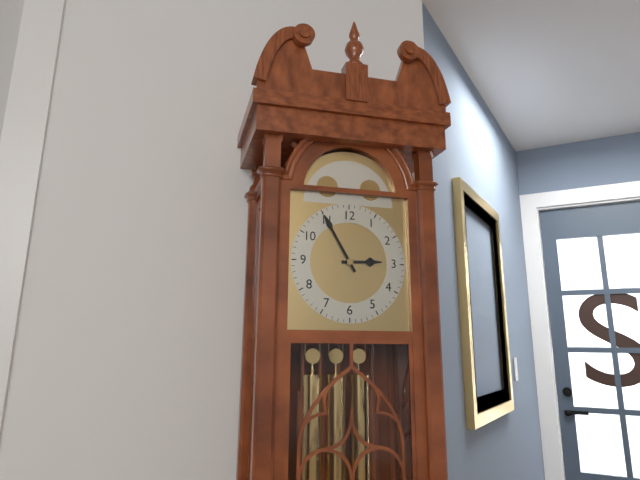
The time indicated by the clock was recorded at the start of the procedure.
2:55
